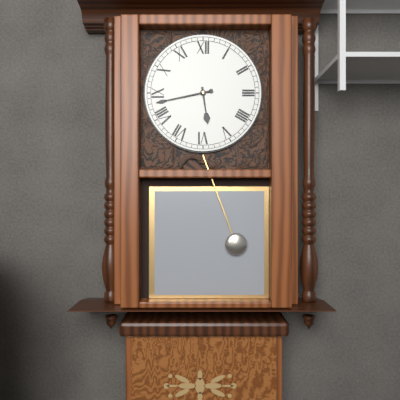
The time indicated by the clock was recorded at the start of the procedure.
5:43
